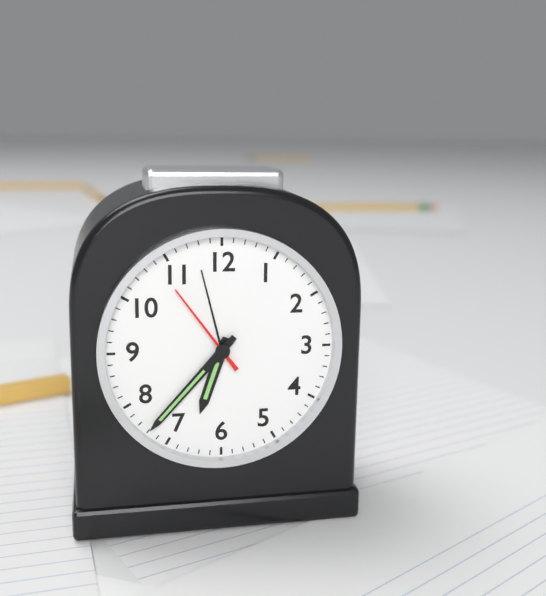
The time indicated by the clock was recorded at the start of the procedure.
6:37:54
